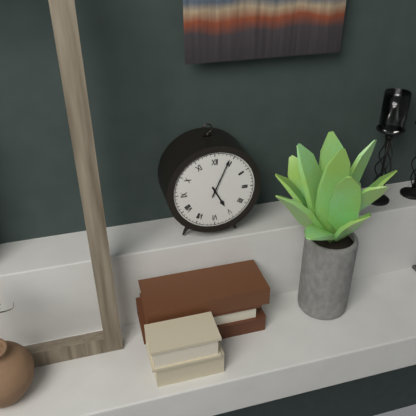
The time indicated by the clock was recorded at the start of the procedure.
5:04
